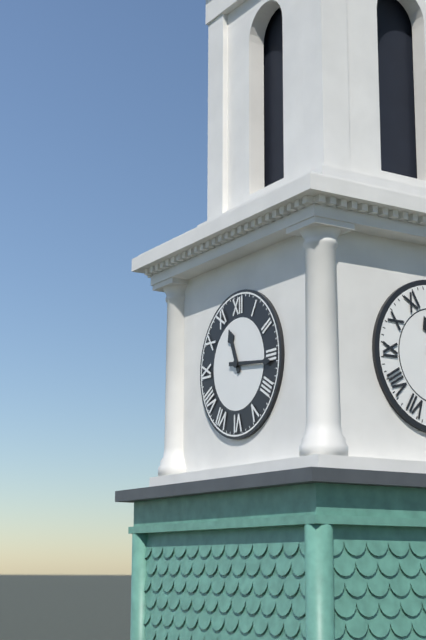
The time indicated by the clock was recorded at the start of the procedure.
11:16
